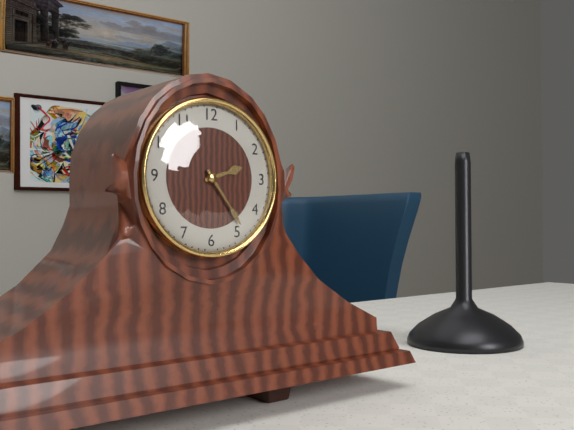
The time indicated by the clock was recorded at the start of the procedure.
2:24
